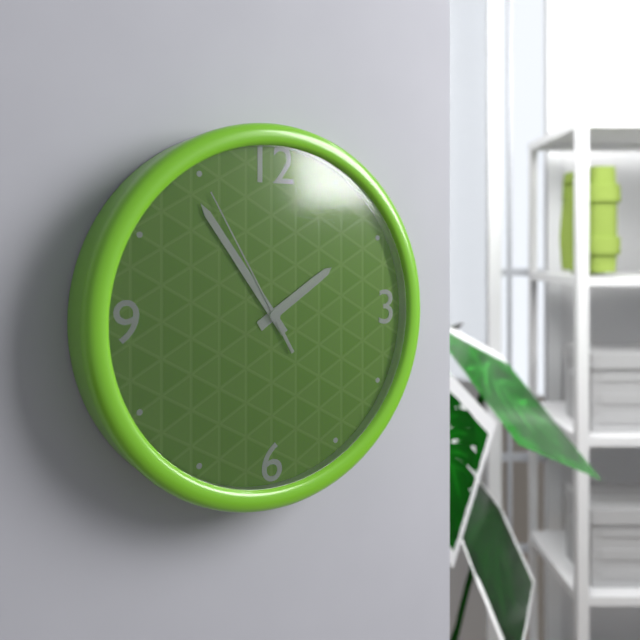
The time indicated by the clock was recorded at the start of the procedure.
1:54:55
